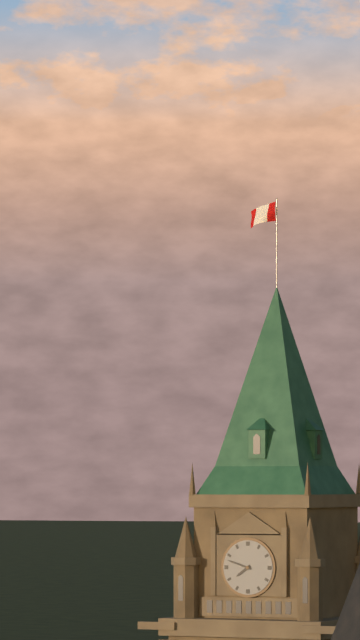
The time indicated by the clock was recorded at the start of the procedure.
7:48
